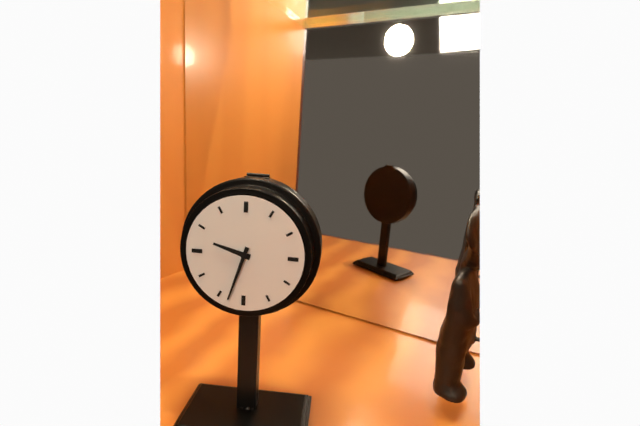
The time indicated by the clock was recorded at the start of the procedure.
9:33
